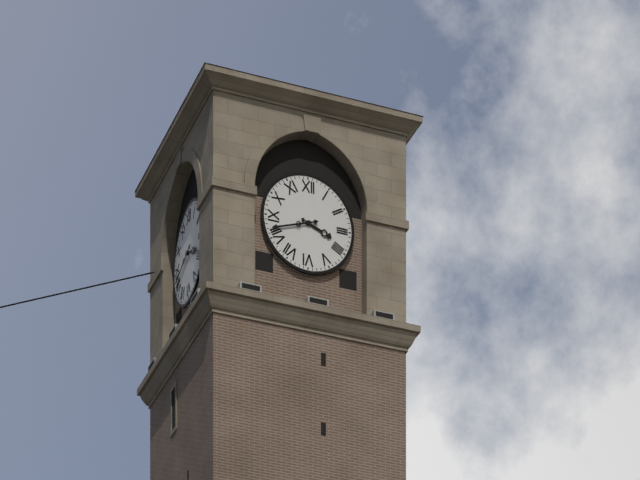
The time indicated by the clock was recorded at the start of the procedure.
3:42
